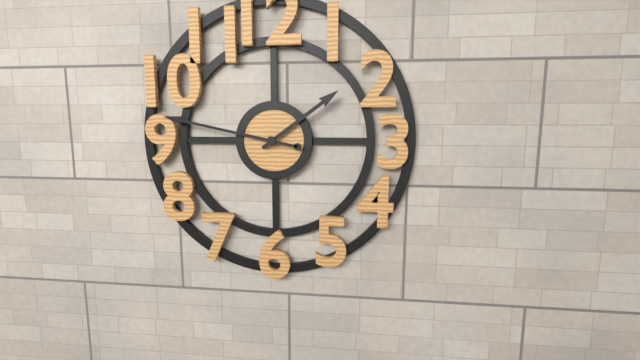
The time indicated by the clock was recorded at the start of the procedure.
1:47
